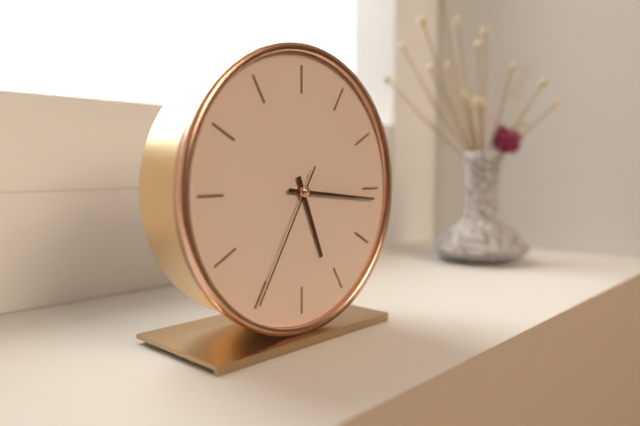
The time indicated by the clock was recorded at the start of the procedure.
5:16:35
